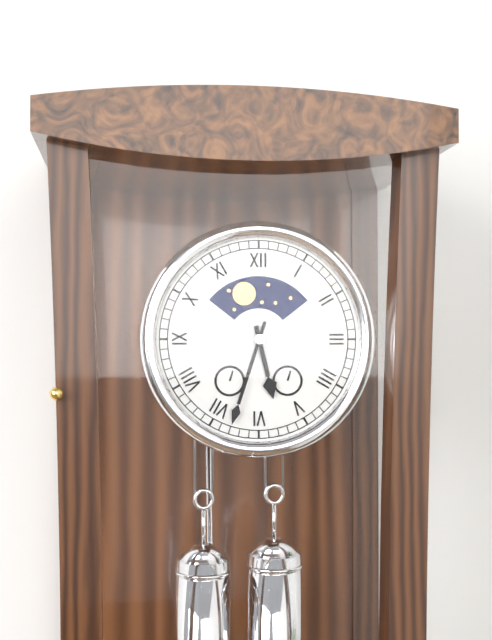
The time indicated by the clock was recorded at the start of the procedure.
5:33
